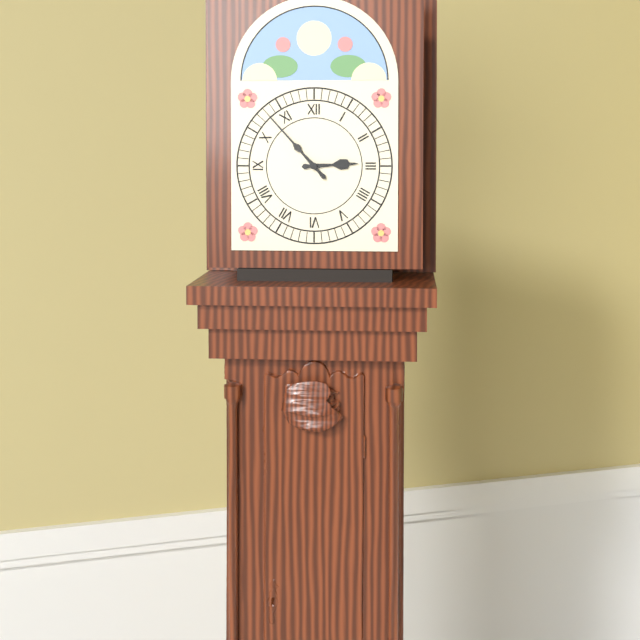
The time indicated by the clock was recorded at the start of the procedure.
2:53
